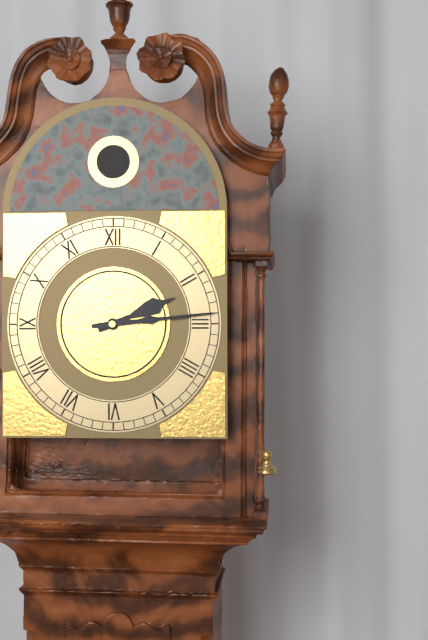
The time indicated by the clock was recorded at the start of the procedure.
2:14
